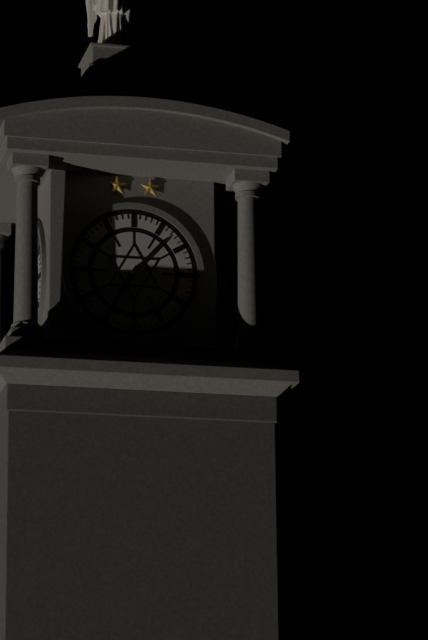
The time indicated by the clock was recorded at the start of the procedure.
7:07
